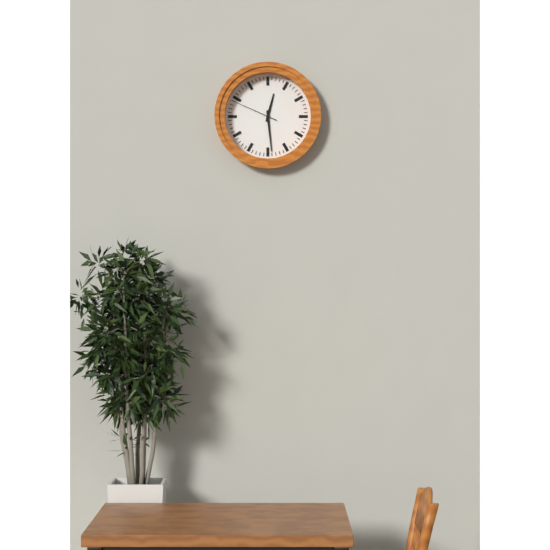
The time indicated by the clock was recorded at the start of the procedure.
12:29
